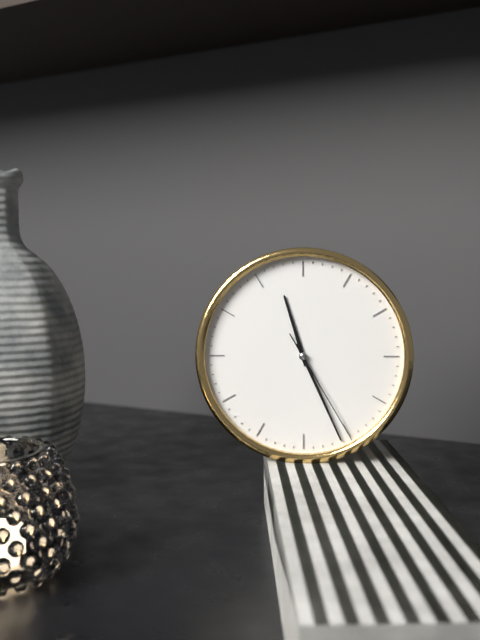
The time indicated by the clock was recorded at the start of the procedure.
11:26:25
